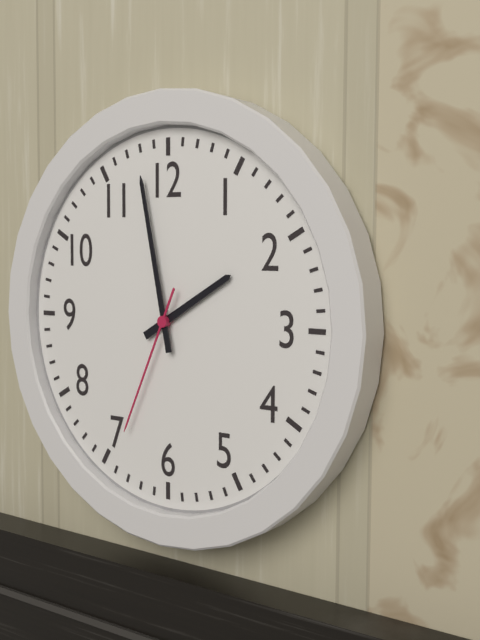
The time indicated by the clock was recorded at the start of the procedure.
1:58:34
